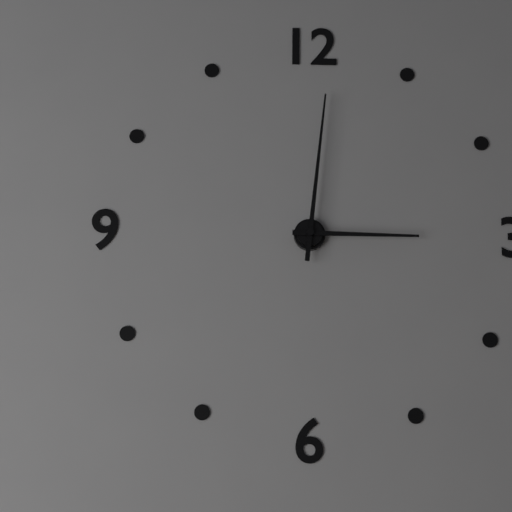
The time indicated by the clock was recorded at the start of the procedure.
3:01
